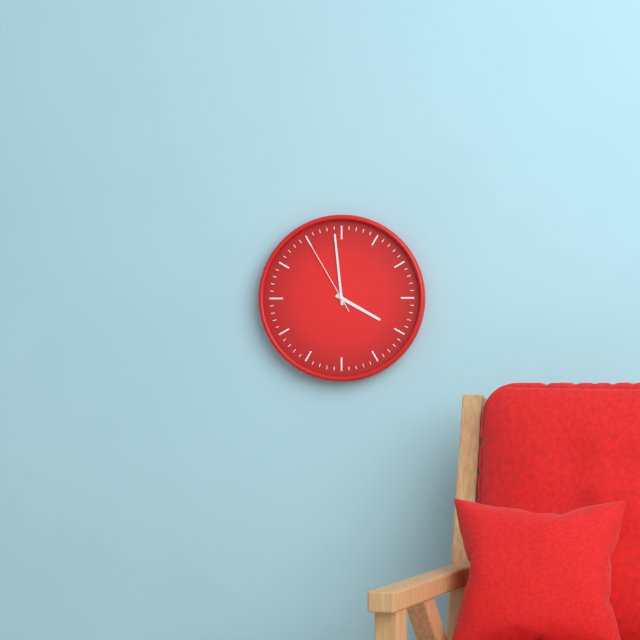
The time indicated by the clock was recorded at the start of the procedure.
3:59:55
